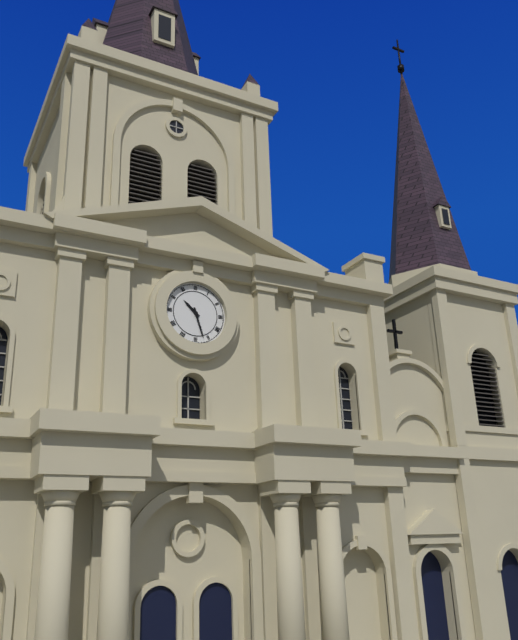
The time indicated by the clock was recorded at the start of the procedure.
10:27
